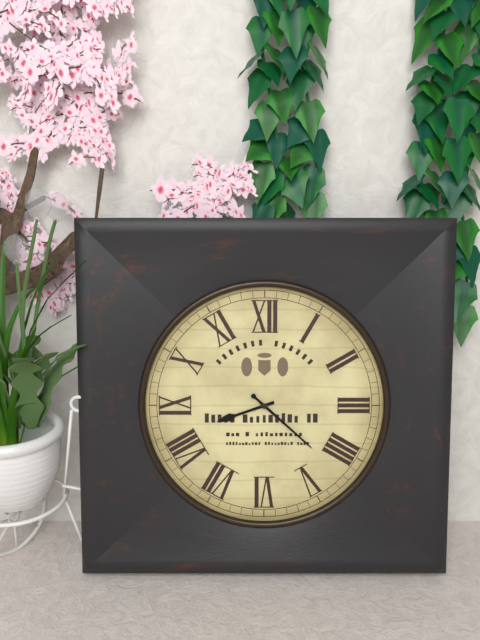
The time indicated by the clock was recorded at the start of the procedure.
8:22
